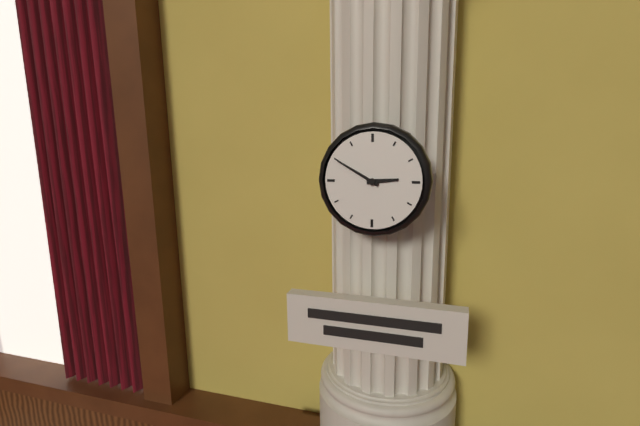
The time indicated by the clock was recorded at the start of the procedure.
2:50
